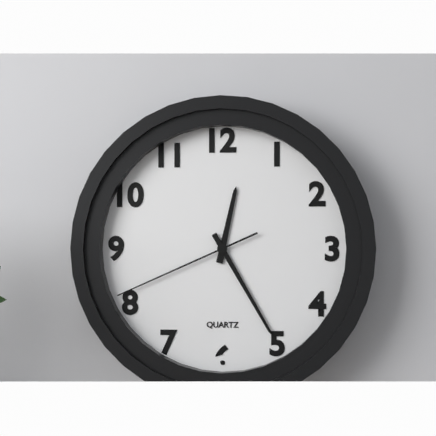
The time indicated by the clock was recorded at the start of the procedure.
12:25:41
